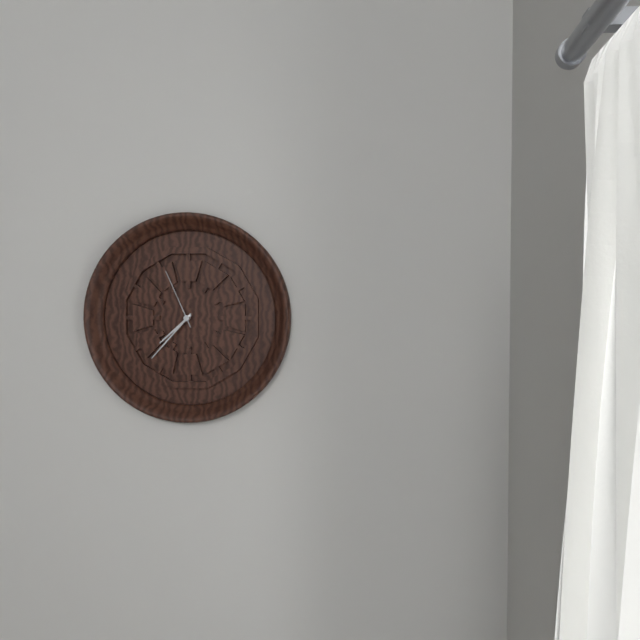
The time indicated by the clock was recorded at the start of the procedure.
7:37:56
